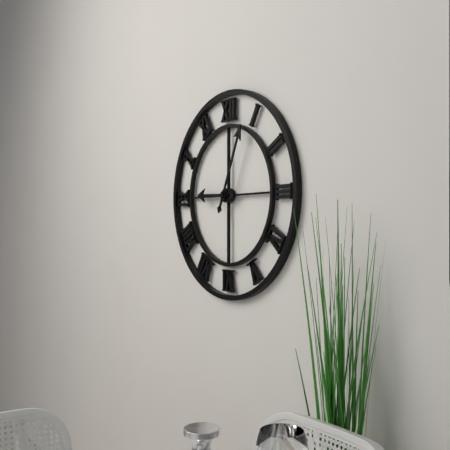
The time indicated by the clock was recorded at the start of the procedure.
9:04
